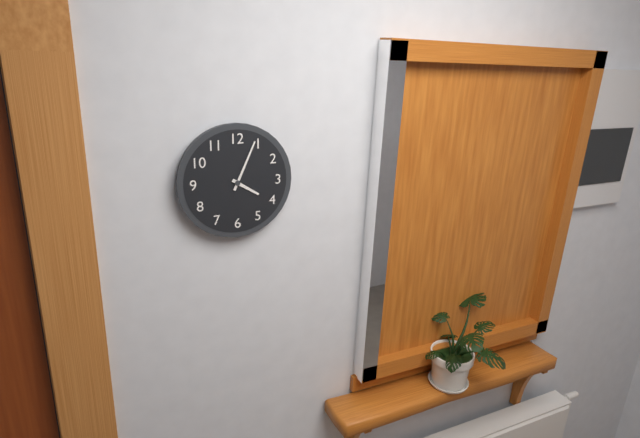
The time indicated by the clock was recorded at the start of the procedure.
4:04
